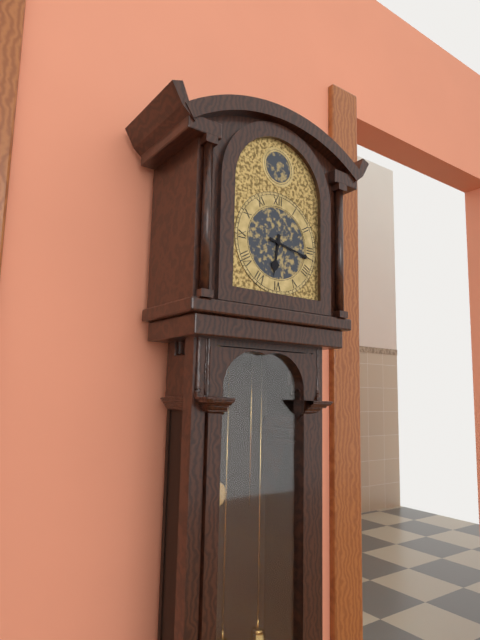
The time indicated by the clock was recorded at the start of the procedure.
6:17
